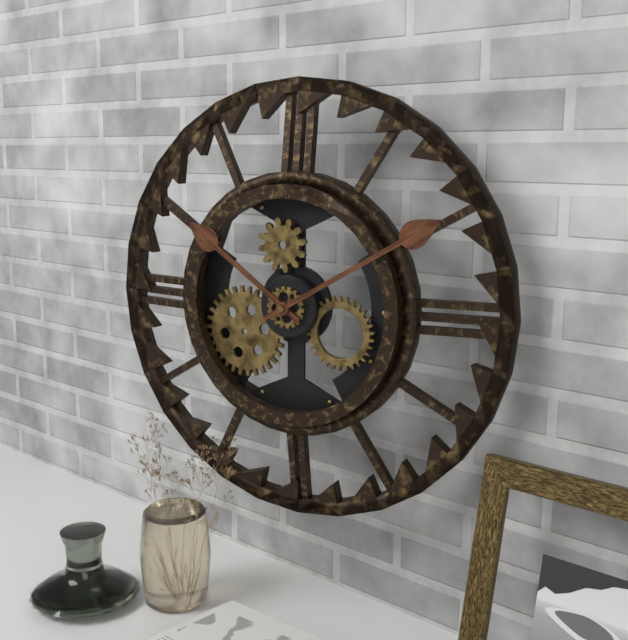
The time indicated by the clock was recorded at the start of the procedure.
10:10
